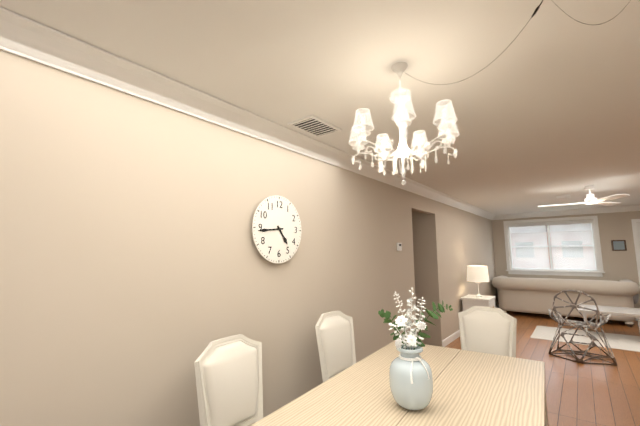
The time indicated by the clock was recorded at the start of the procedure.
4:44
